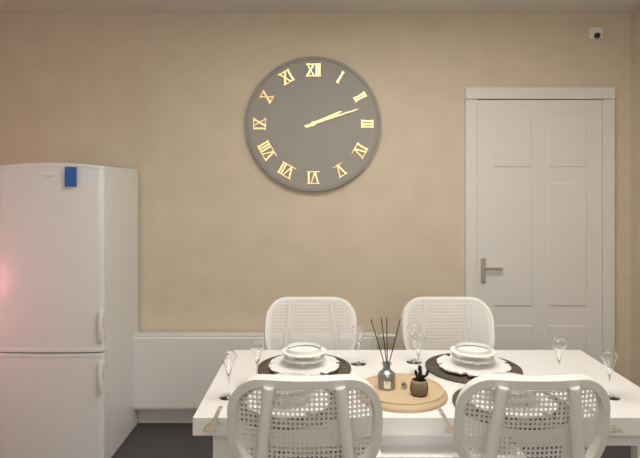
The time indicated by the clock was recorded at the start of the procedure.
2:12
